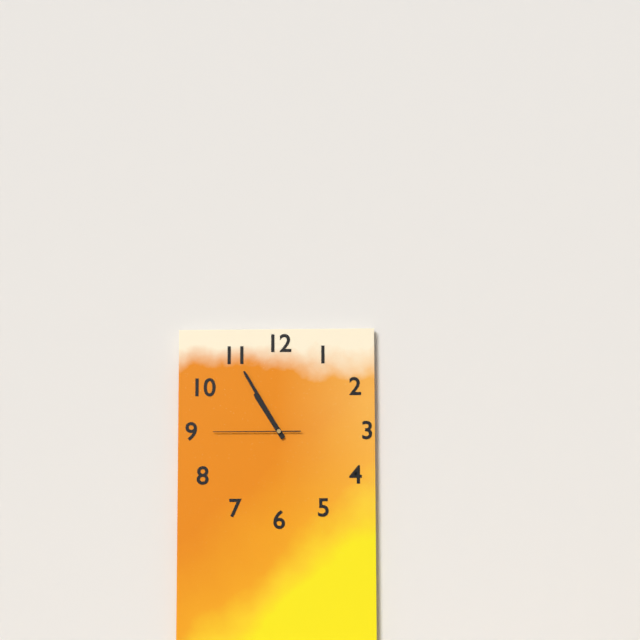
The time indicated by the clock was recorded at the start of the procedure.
10:55:45
